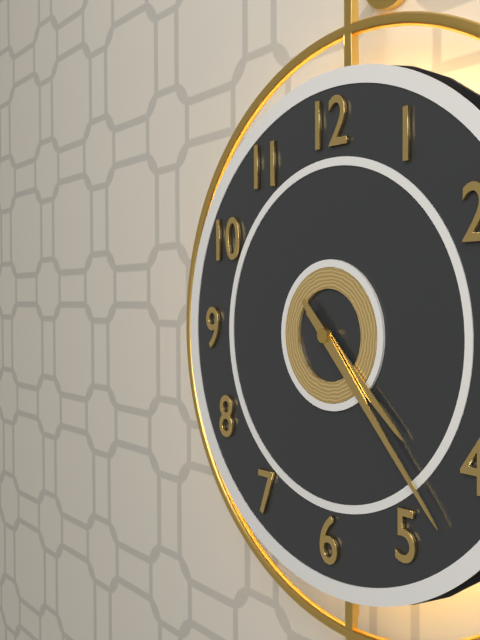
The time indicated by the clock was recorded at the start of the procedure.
4:23
